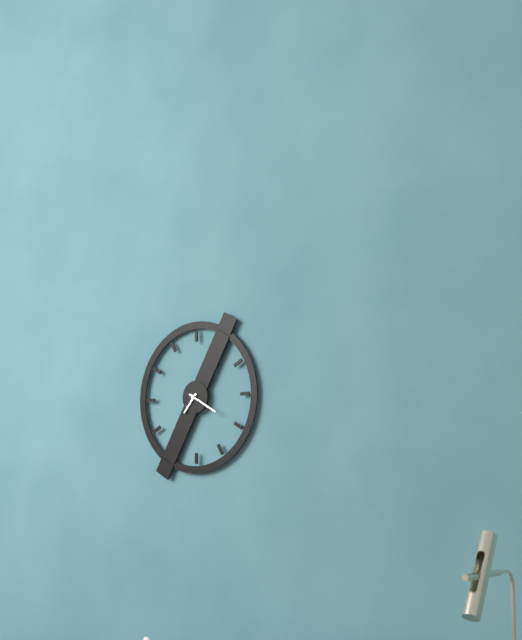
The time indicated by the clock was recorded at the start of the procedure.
7:20
